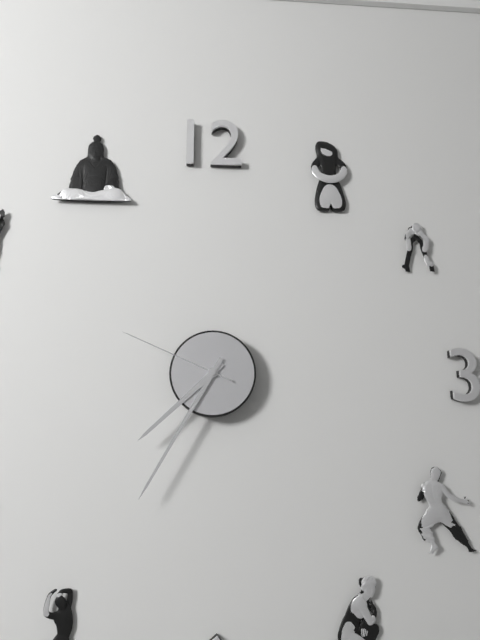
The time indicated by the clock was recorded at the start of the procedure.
7:35:49
